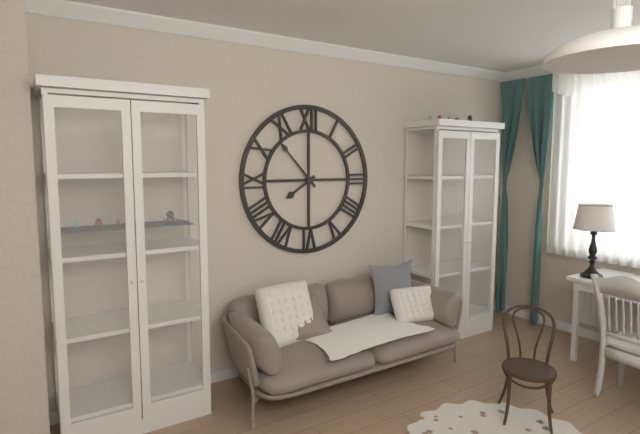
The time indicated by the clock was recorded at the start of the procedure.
7:53
